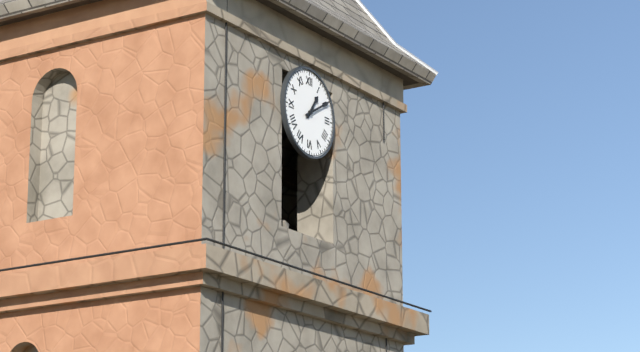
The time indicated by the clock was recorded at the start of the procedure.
1:10
